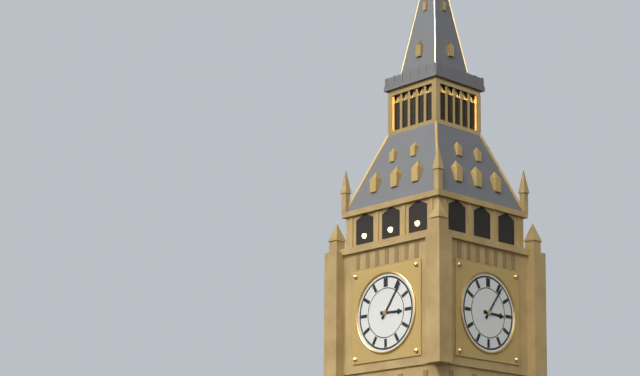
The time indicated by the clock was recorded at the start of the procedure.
3:06
